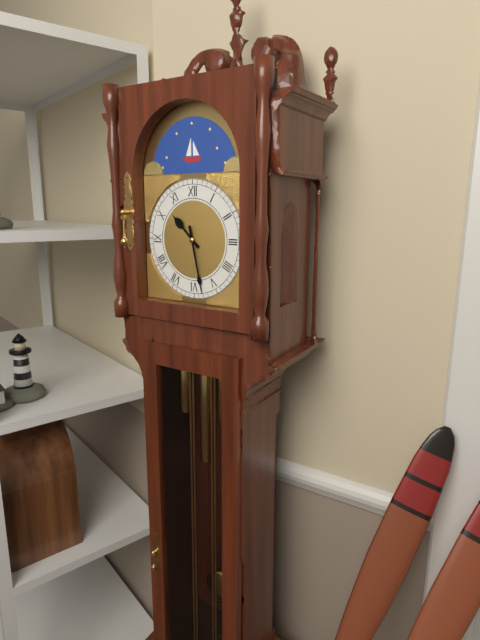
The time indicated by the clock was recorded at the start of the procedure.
10:28
